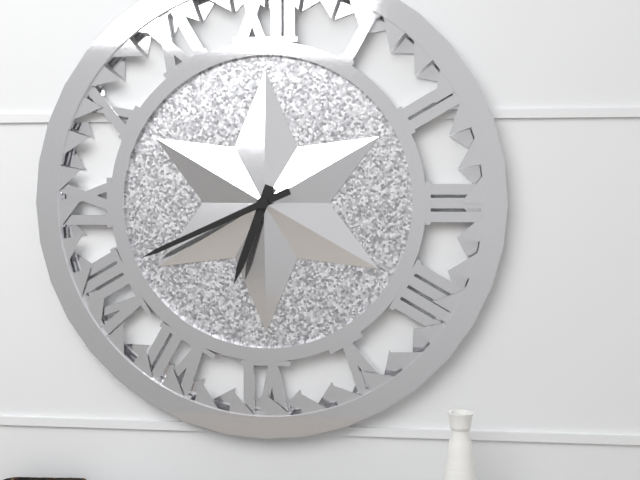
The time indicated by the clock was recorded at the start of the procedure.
6:41
